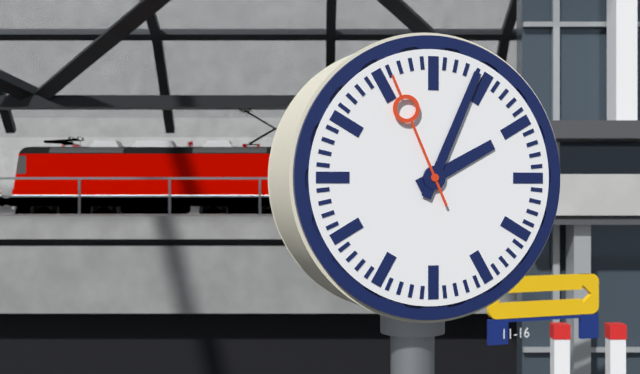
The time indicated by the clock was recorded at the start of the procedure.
2:04:56
